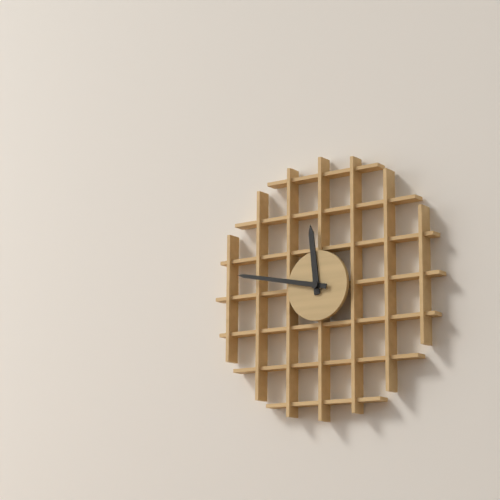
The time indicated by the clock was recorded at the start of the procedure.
11:47
